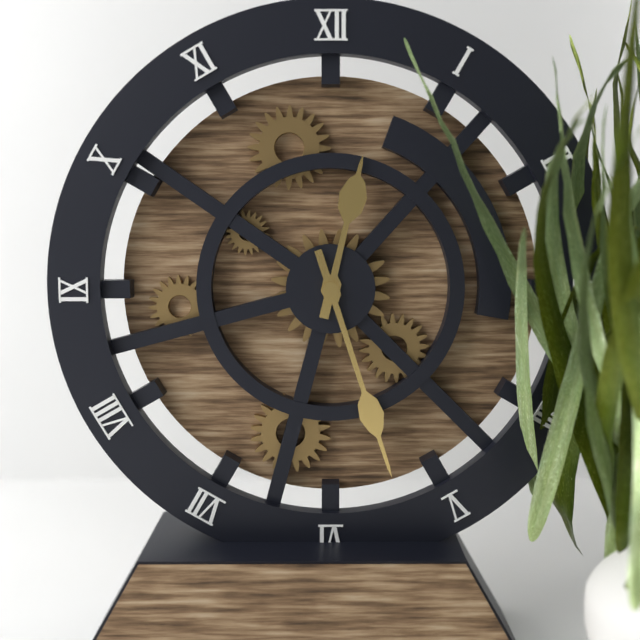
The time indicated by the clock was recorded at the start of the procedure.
12:27
